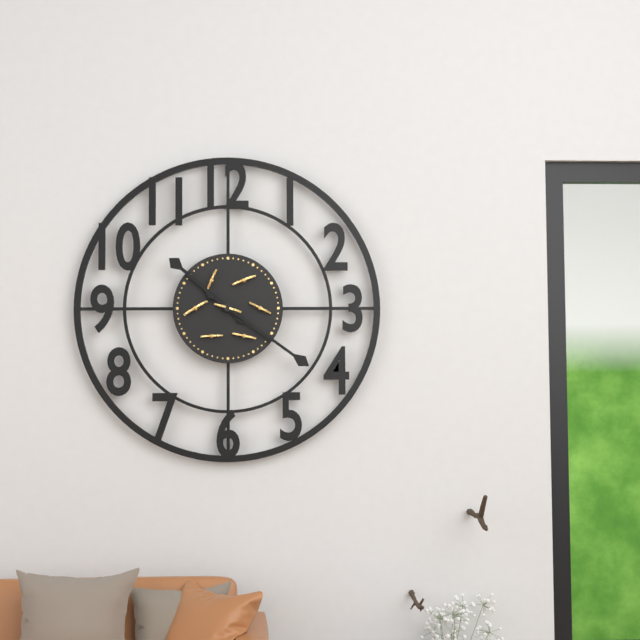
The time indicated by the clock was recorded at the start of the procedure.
10:21
